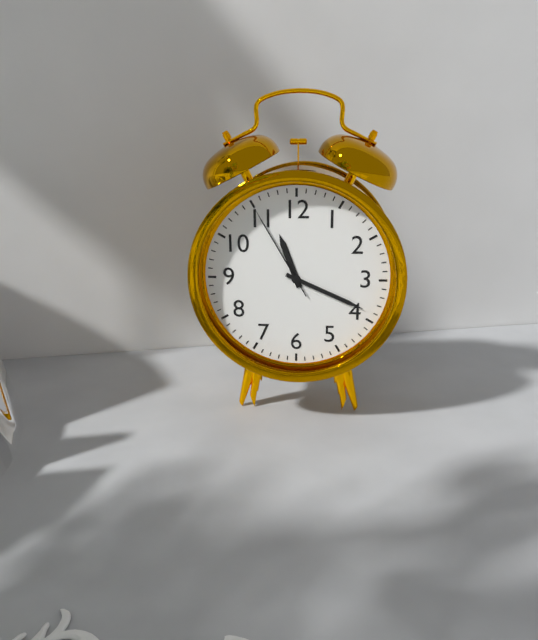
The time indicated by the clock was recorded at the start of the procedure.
11:19:55
